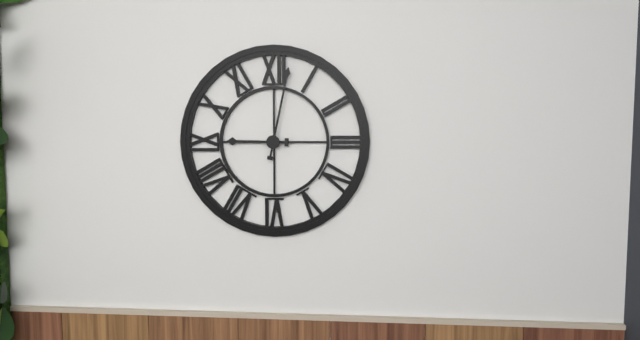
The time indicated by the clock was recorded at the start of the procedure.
9:02
